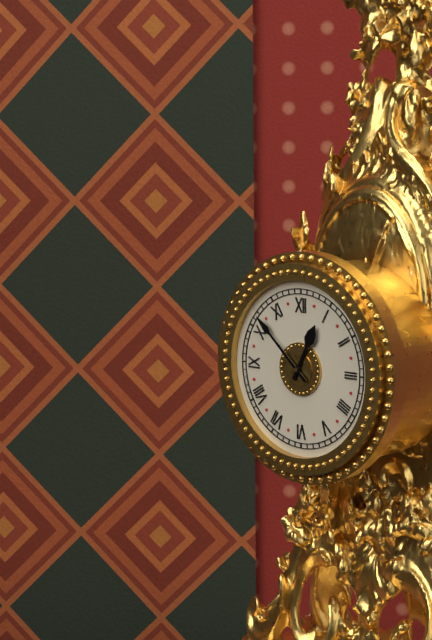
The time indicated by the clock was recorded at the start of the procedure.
12:52
